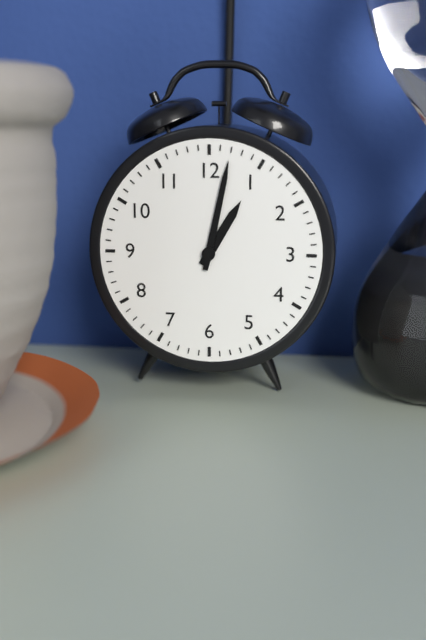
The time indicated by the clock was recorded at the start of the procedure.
1:02
